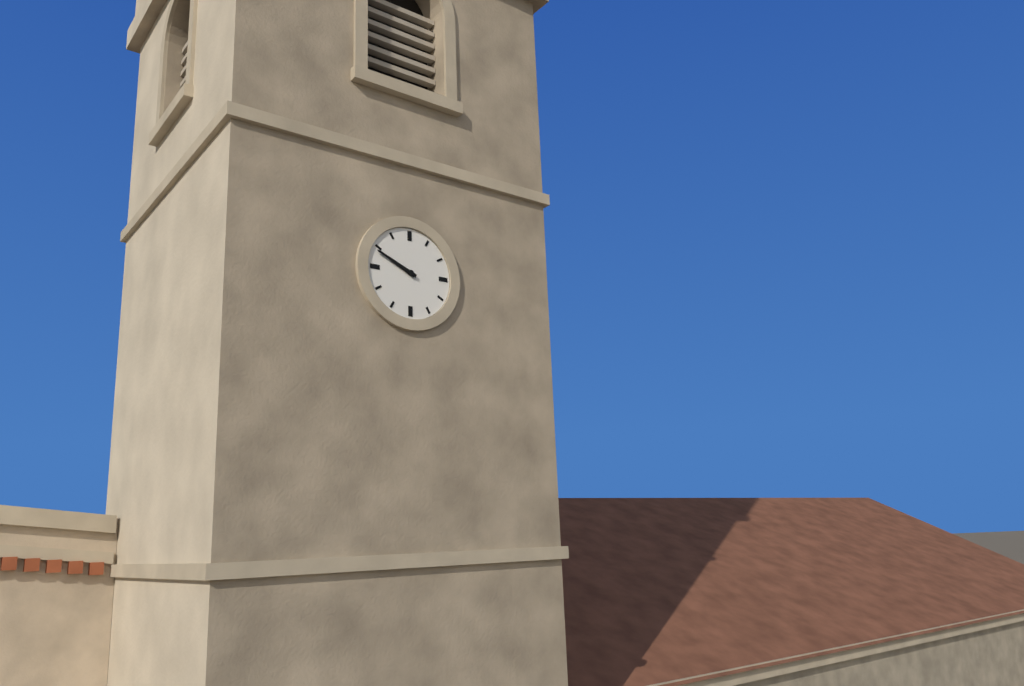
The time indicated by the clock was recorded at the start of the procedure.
9:49
